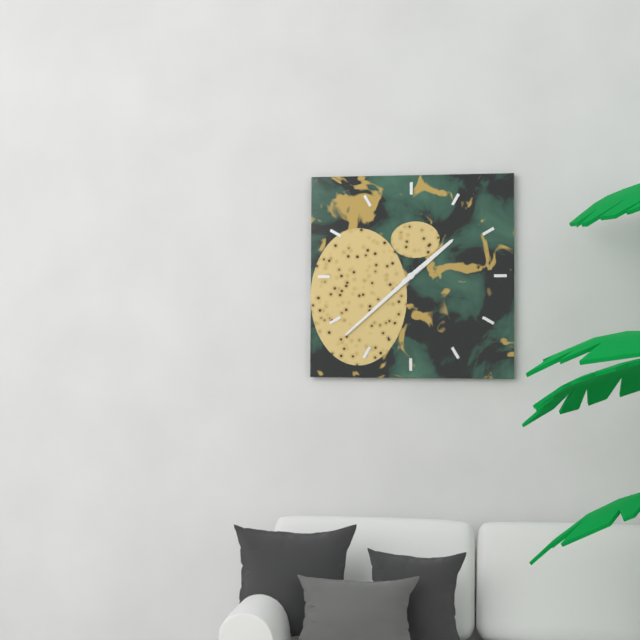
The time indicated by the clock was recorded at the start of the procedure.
1:38
